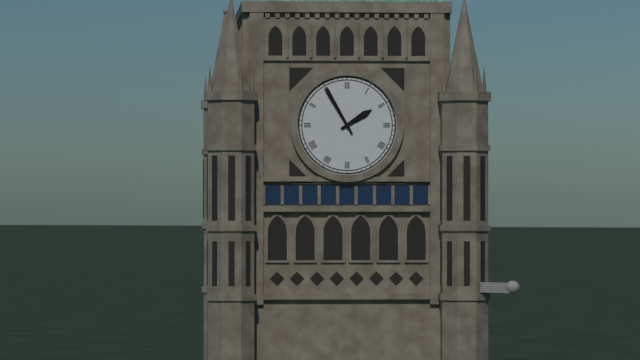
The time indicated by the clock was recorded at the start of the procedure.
1:55
